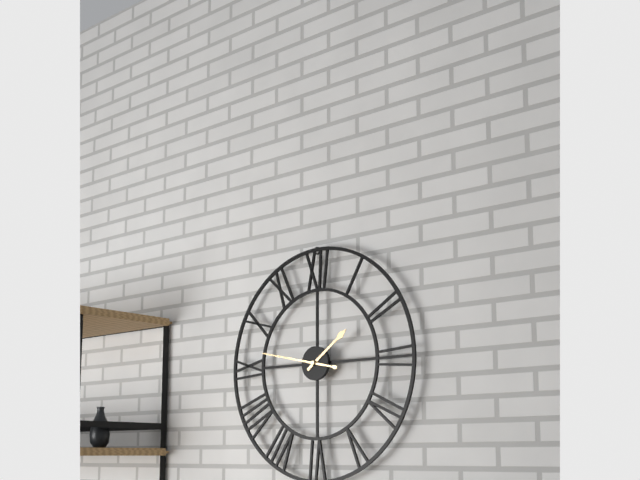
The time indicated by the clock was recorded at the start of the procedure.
1:47
